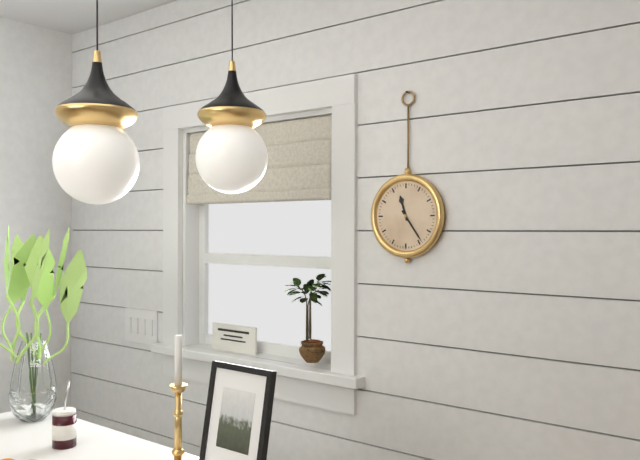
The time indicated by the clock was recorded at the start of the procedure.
11:24
